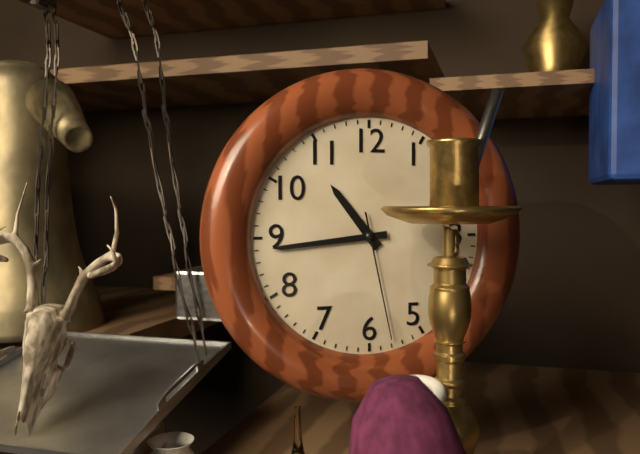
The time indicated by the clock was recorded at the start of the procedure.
10:44:28
